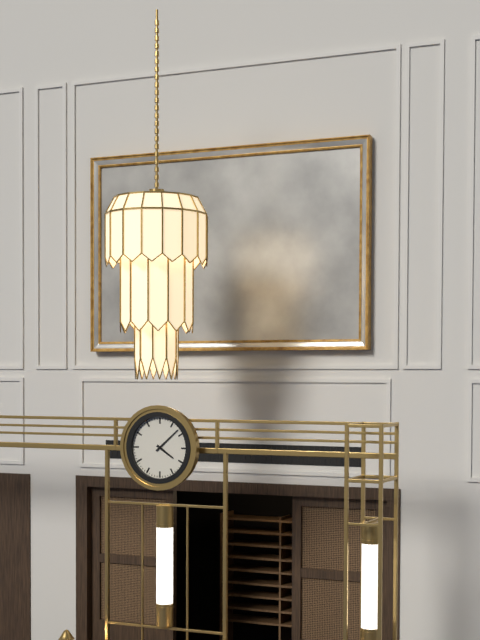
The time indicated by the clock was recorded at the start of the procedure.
4:08
